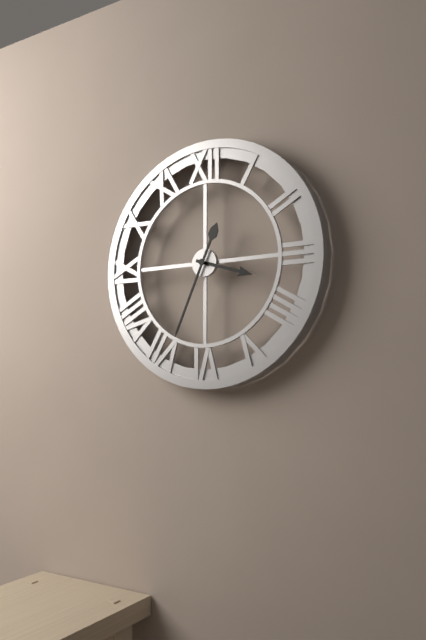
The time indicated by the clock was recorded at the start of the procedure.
3:34
